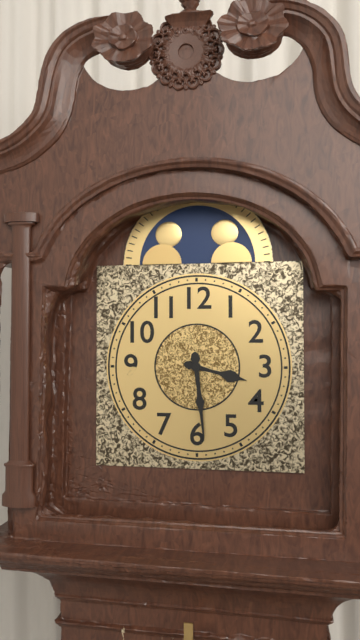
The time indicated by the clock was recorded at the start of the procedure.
3:29
